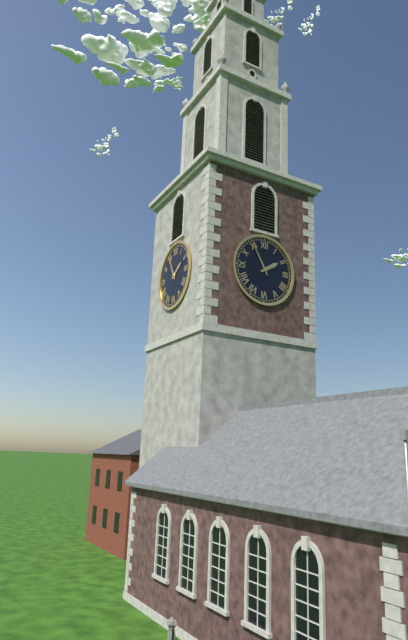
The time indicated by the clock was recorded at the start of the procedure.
1:55
